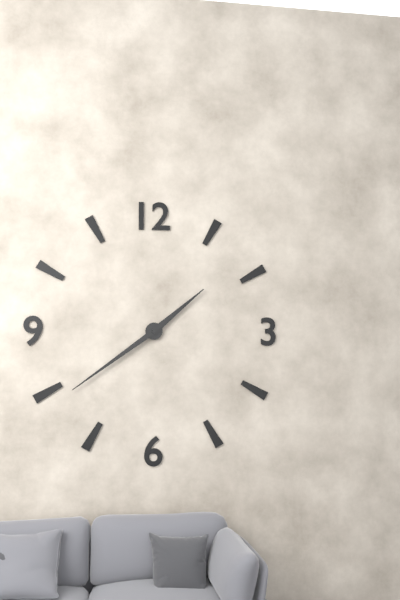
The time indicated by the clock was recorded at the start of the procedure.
1:39
